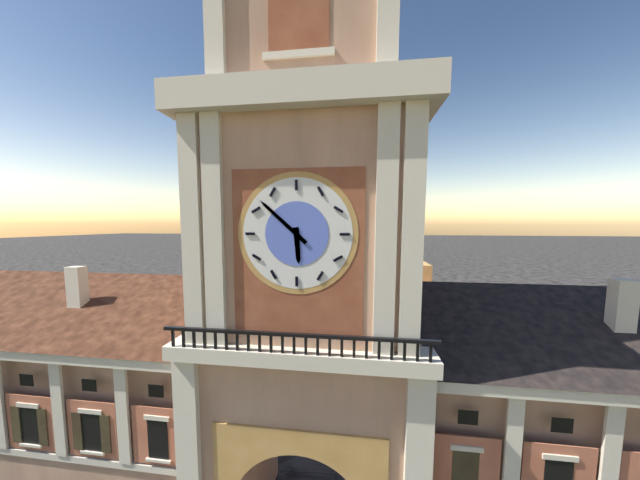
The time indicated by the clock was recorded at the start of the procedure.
5:52
